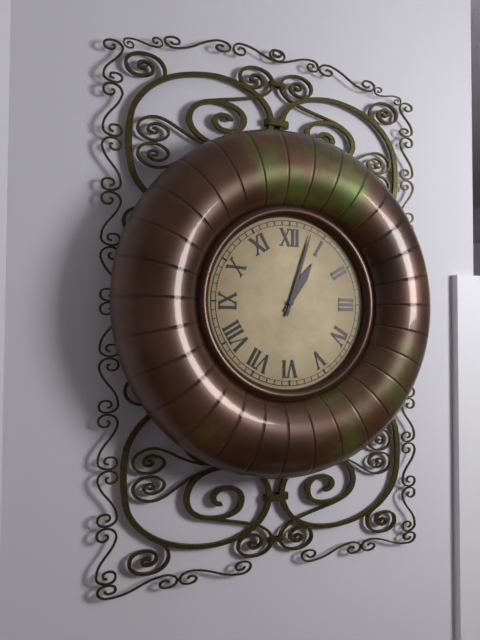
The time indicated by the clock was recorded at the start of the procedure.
1:03
